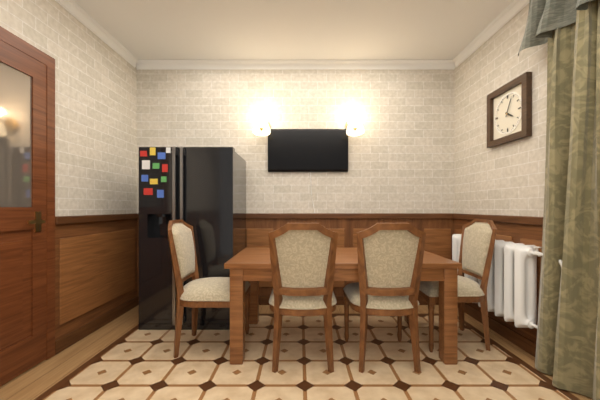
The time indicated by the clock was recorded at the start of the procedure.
4:04
